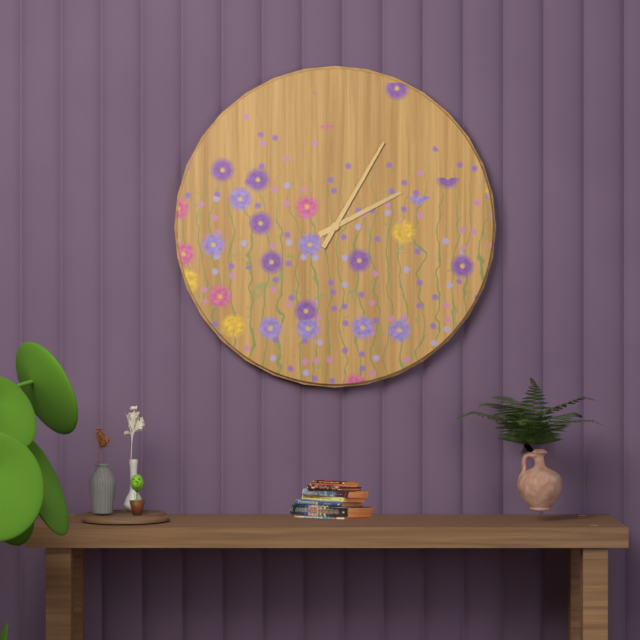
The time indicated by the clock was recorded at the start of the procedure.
2:05
